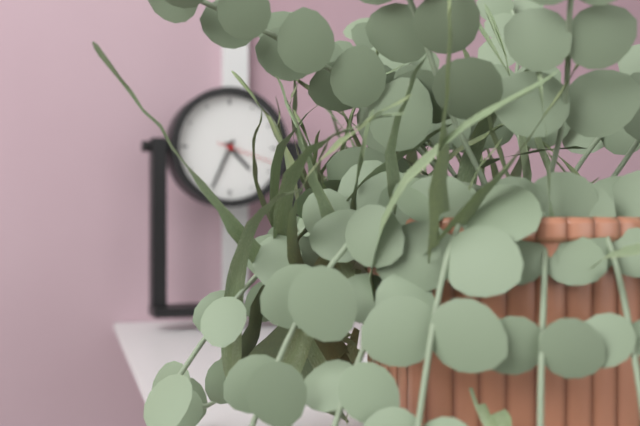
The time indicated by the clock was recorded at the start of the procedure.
4:34:18
